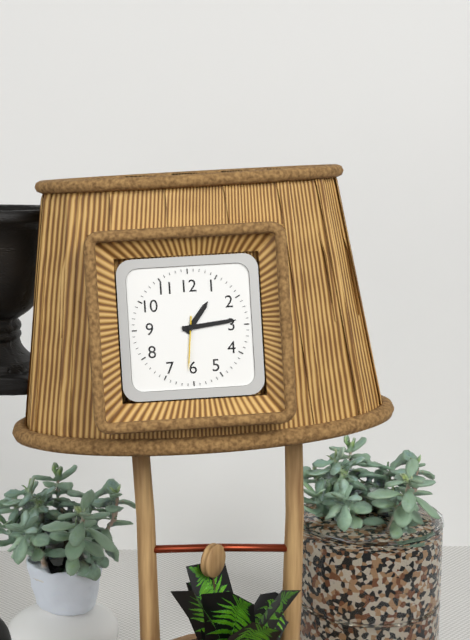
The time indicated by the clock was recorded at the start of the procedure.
1:14:31
